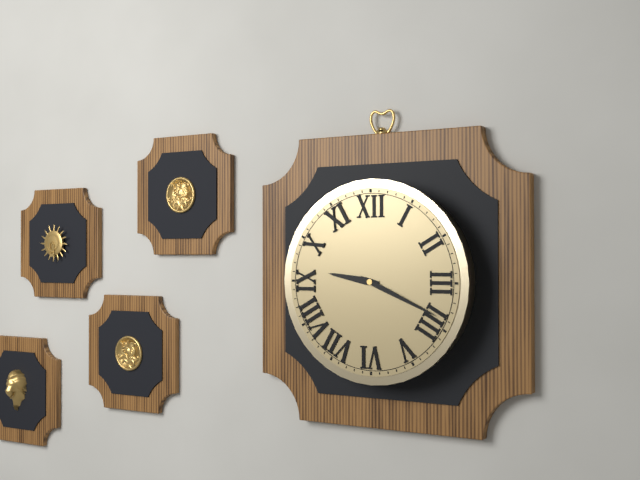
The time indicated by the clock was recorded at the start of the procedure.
9:19
